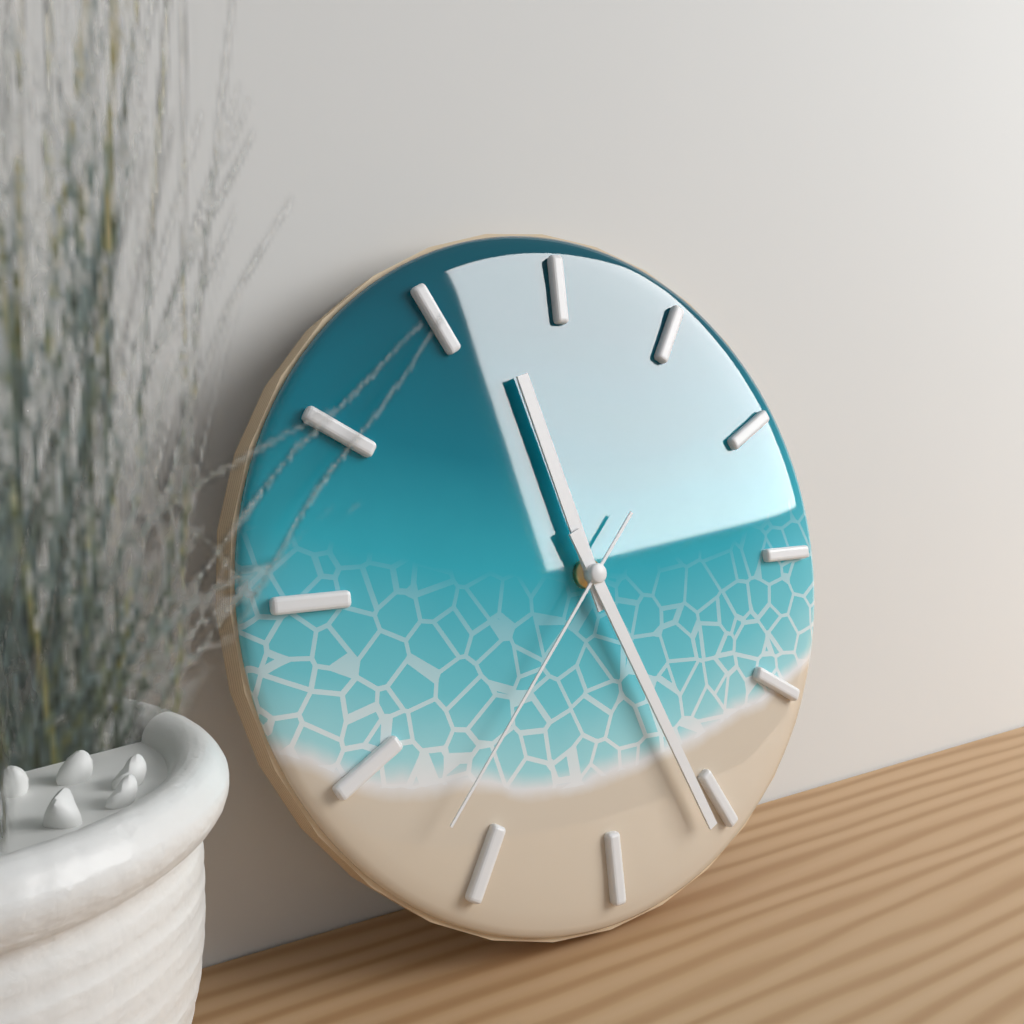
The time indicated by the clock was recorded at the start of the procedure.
11:26:37
